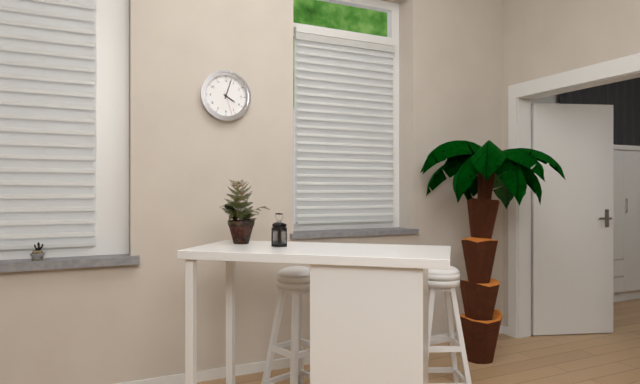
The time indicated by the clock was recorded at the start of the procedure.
4:03
